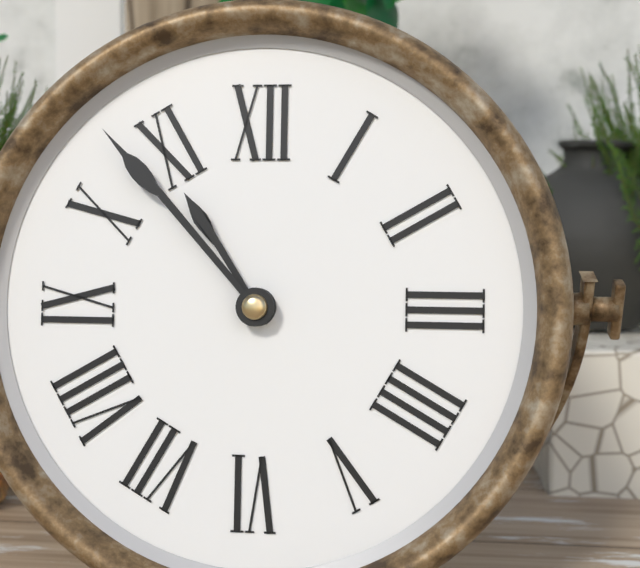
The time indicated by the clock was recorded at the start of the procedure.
10:53
